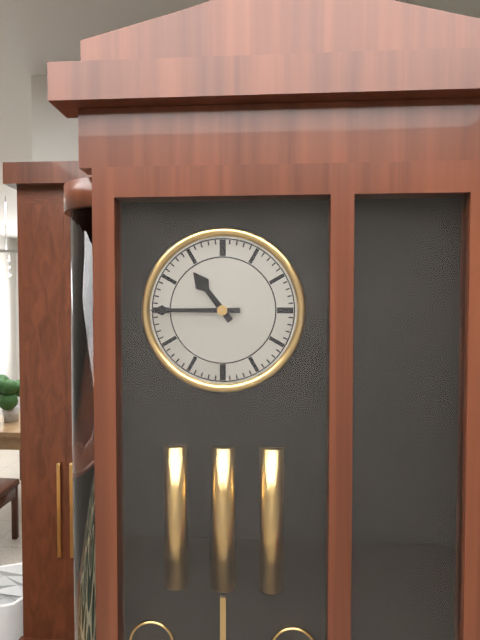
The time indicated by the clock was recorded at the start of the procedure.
10:45
